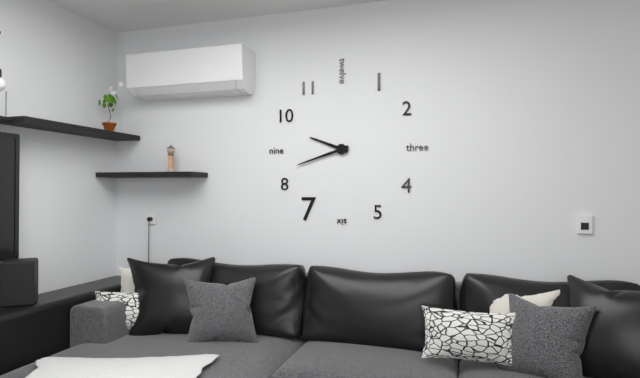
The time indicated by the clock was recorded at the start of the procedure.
9:42
